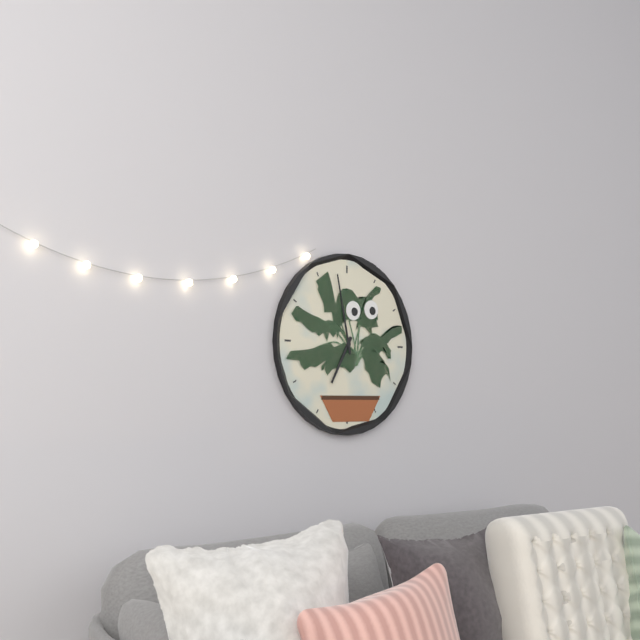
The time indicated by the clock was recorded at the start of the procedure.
6:58
